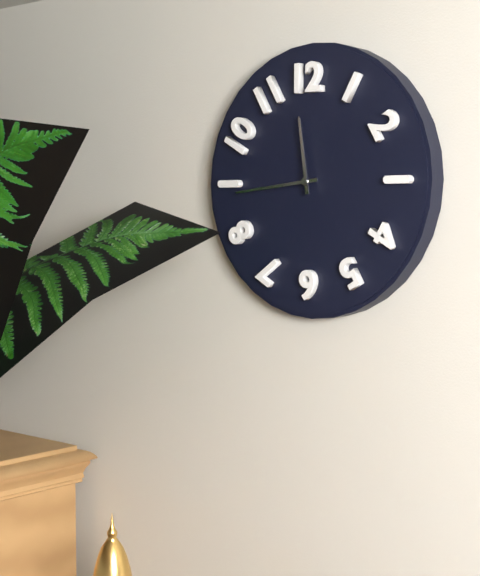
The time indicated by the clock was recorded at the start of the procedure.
11:44
